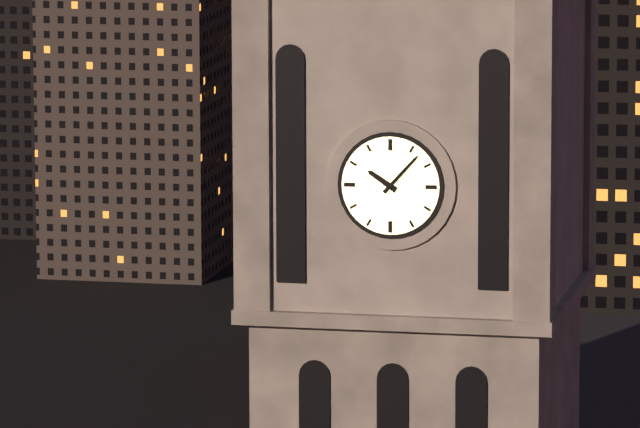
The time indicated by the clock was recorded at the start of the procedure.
10:07
